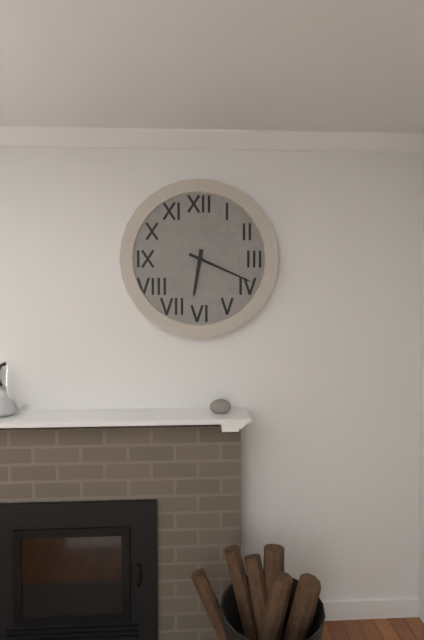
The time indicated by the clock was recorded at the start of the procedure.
6:19
